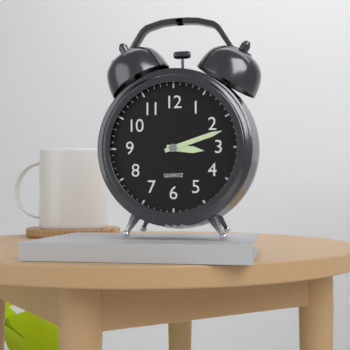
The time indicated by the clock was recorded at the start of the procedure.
3:12
